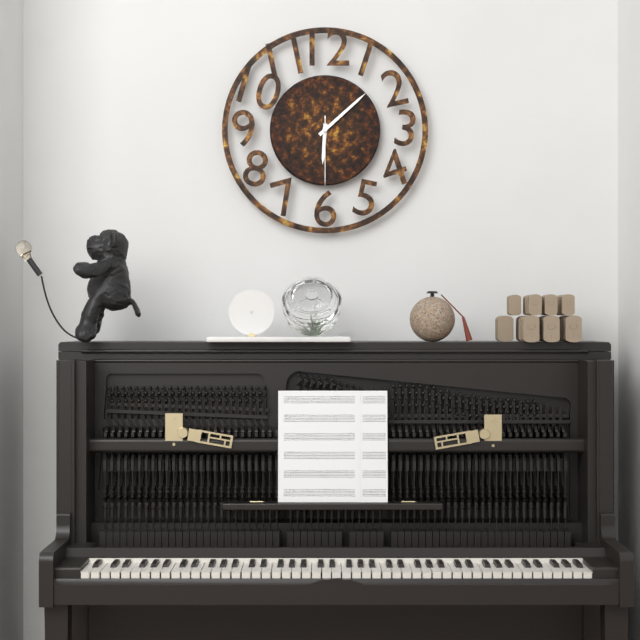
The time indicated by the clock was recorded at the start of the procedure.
6:08:30
